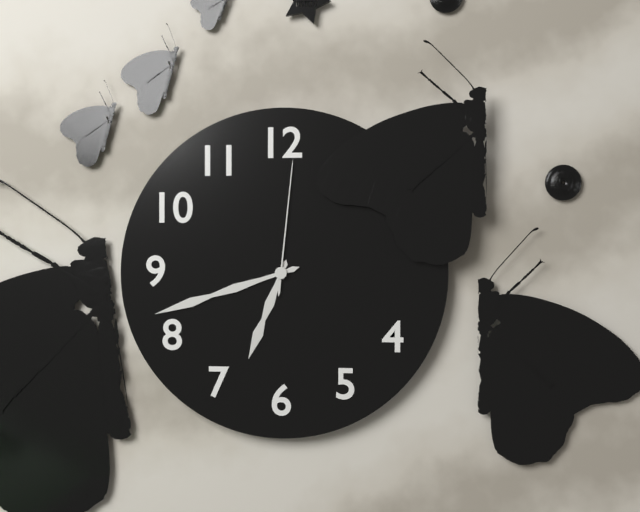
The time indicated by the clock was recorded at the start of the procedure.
6:42:01
